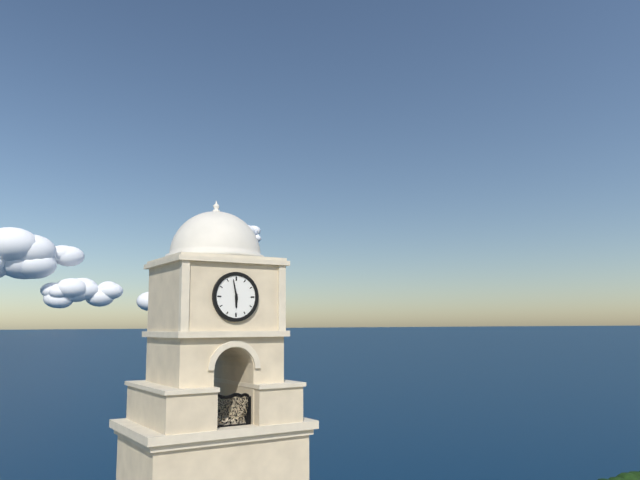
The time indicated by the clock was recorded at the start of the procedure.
5:58
